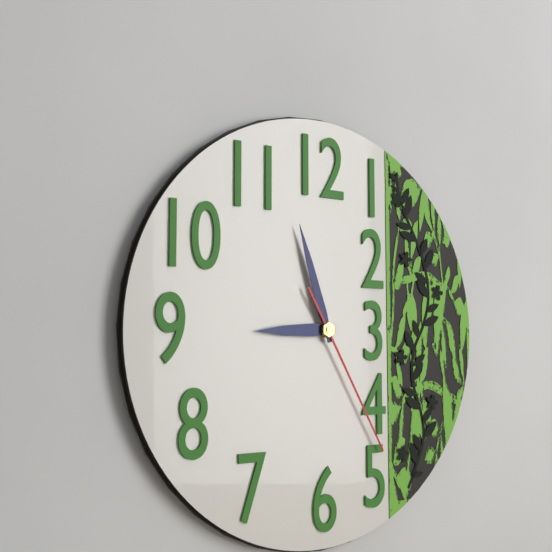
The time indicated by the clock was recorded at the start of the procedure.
8:57:25
